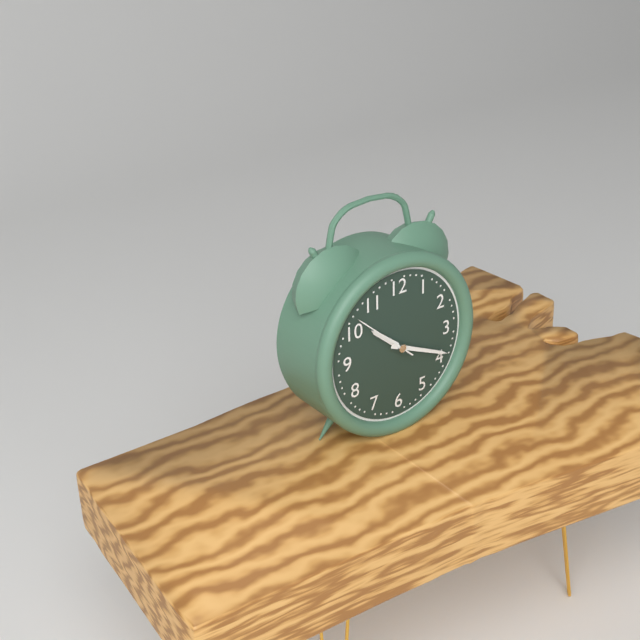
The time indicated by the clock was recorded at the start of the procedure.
10:19:52
